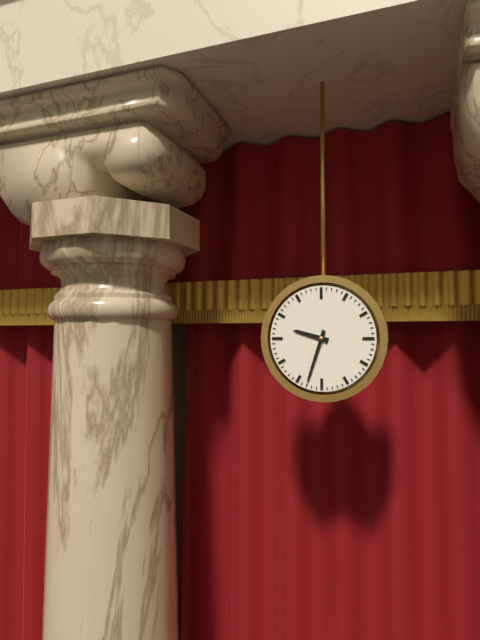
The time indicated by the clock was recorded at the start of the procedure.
9:33
